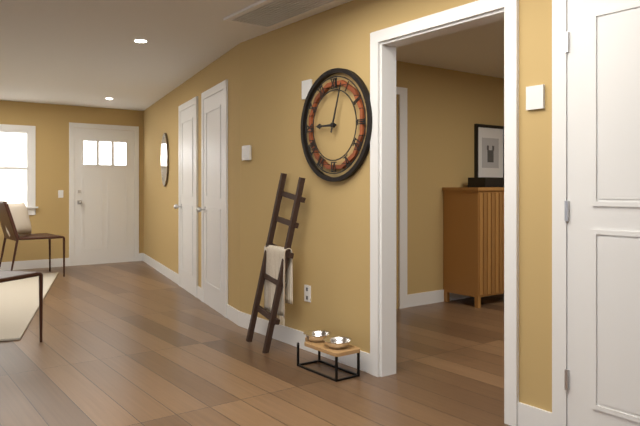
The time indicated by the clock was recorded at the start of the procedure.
9:03
